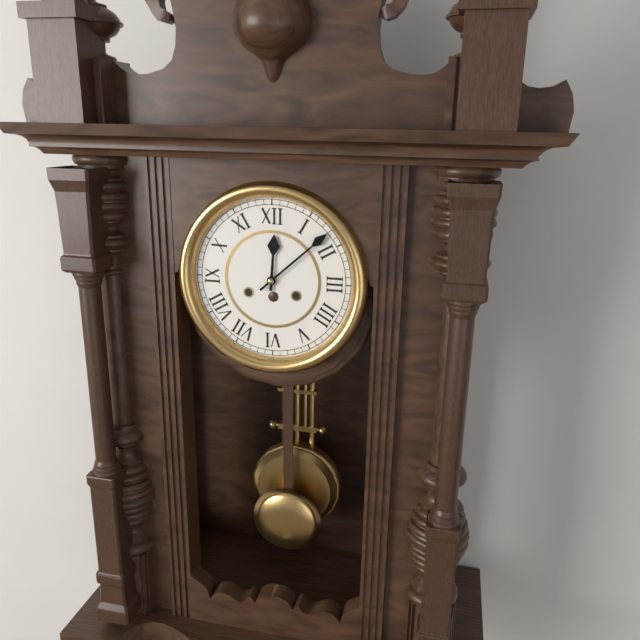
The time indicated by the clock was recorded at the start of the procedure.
12:08
